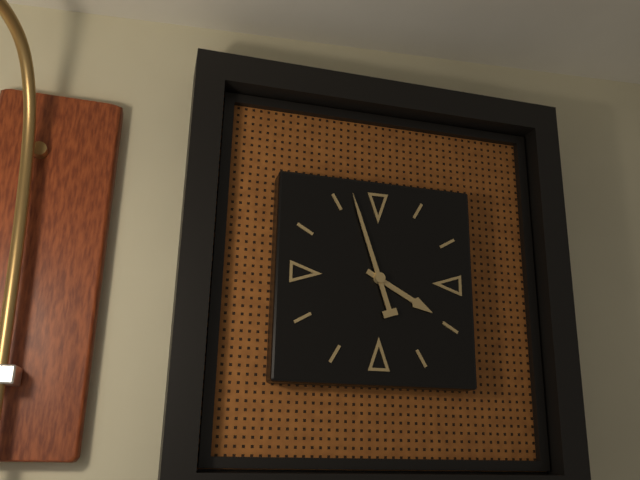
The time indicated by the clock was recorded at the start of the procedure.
3:57
